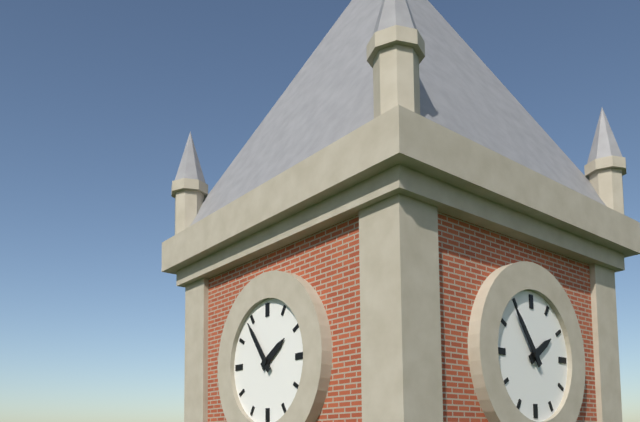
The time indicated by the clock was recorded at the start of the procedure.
1:54
